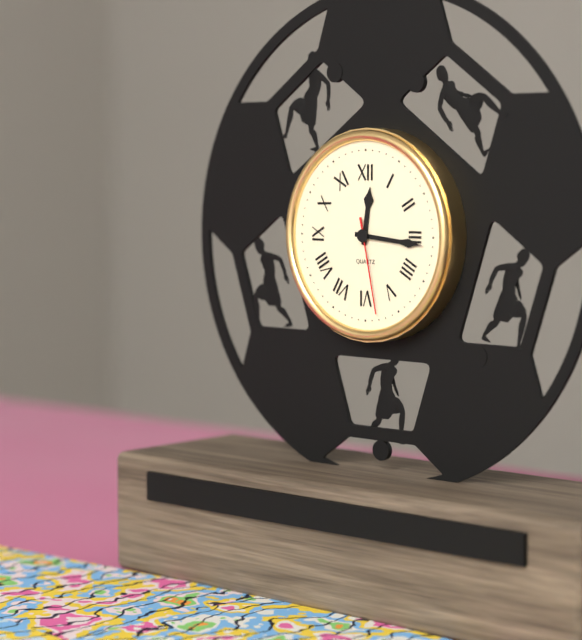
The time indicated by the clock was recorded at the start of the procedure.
12:16:28
